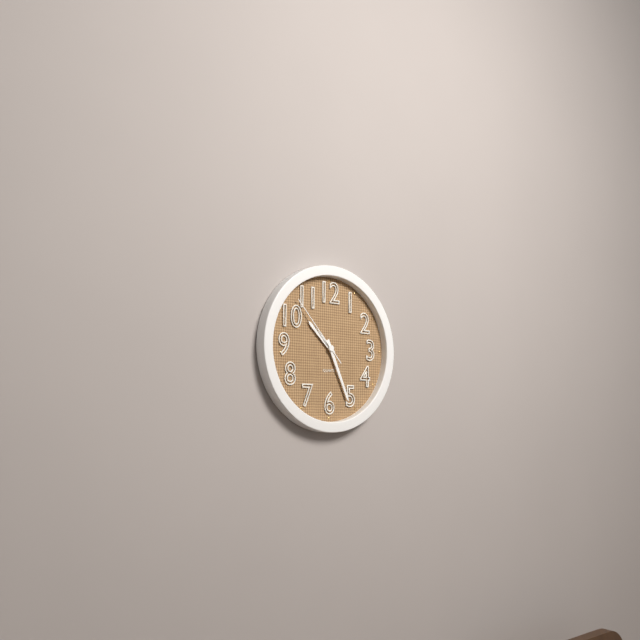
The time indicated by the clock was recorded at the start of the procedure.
10:26:53
